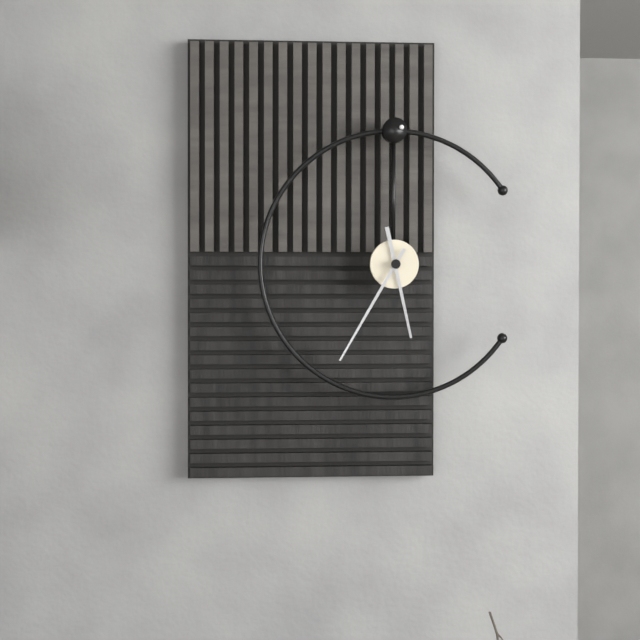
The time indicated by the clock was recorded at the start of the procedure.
5:35
